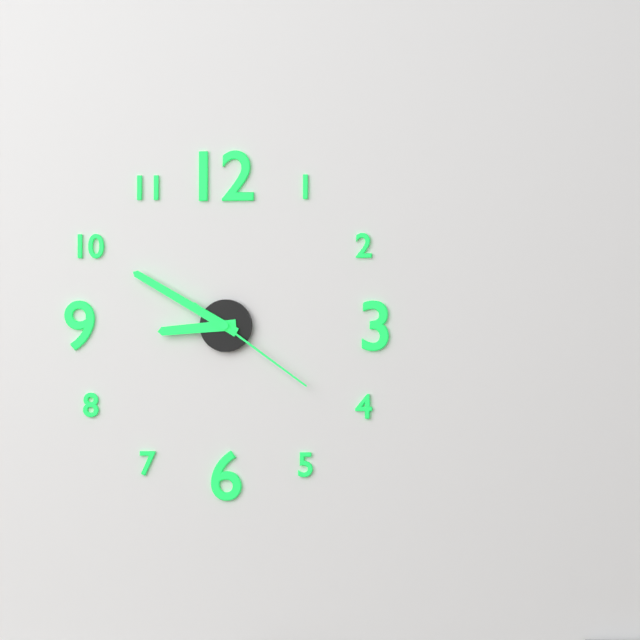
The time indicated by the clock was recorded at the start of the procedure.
8:50:21
